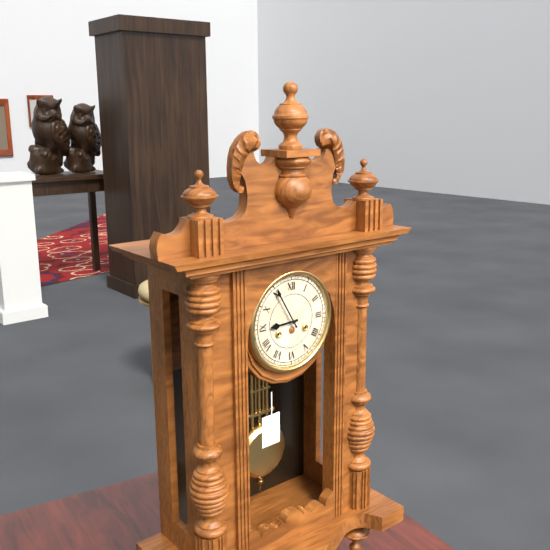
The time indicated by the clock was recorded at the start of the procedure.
8:55
